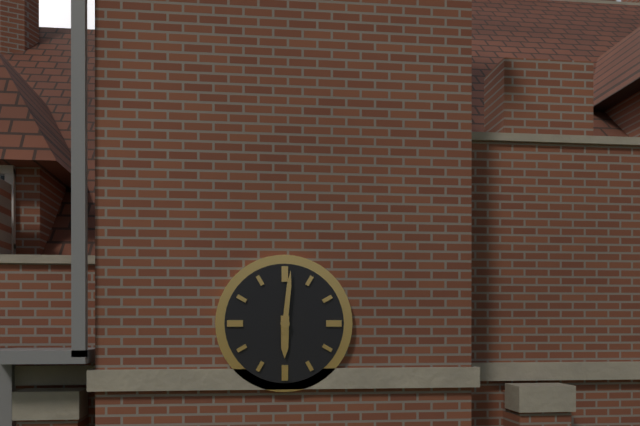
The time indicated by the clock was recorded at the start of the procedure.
6:01
